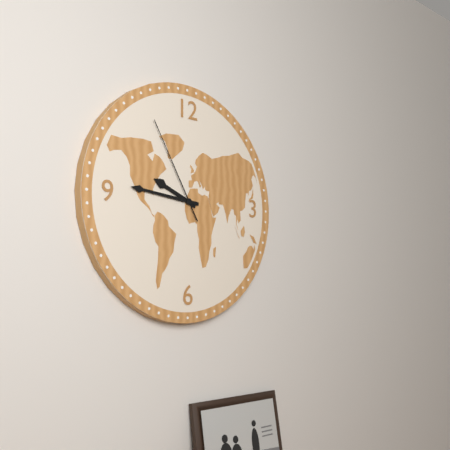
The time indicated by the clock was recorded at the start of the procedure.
9:46:55
